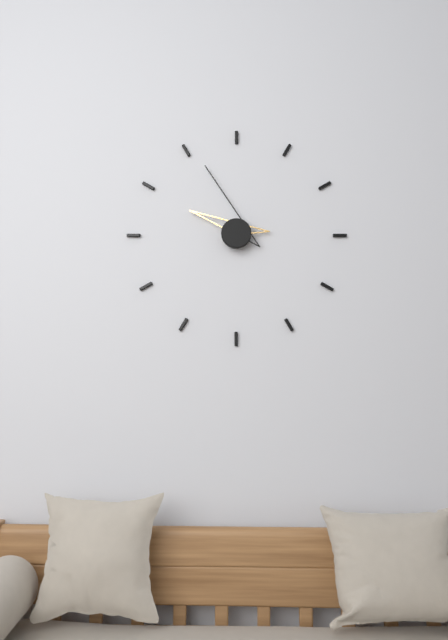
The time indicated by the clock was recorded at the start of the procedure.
9:56
